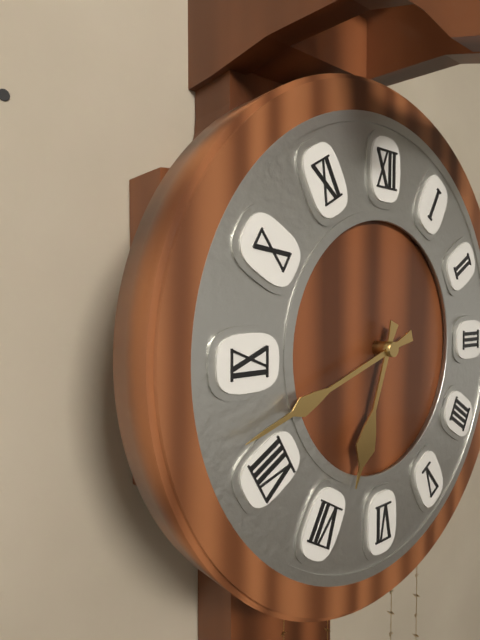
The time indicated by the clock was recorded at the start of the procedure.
6:42
